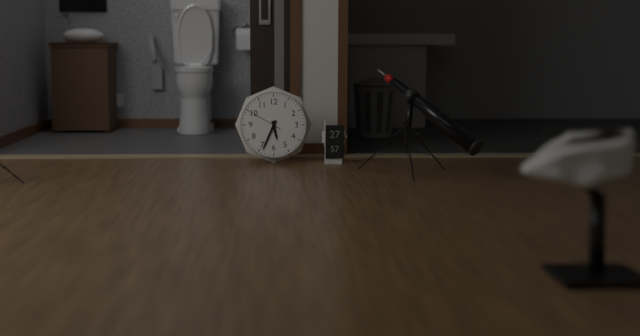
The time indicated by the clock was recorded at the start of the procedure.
5:34
